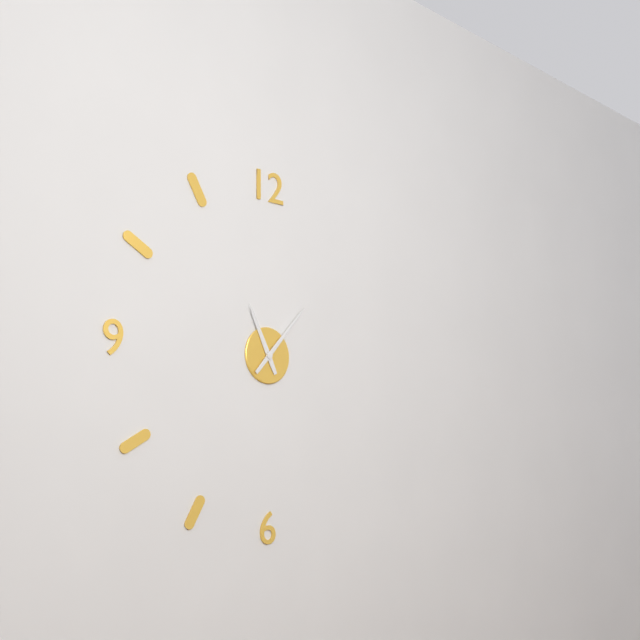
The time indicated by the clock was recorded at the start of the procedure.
11:07
